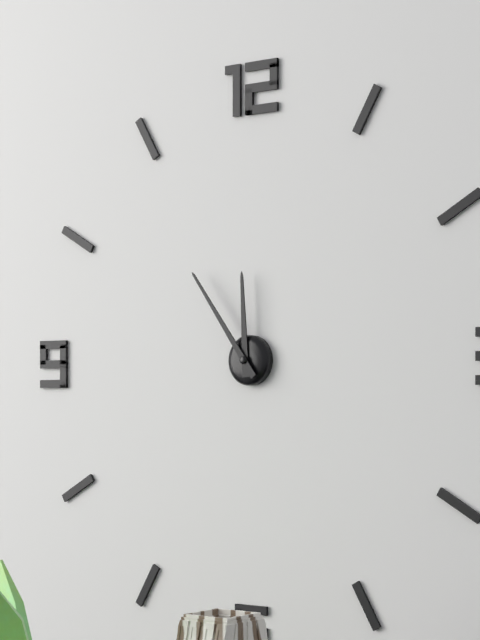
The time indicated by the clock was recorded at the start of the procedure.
11:54
